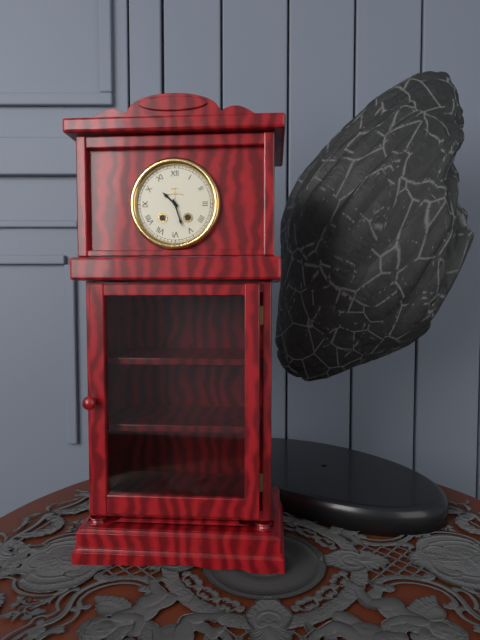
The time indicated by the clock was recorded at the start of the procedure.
10:27
